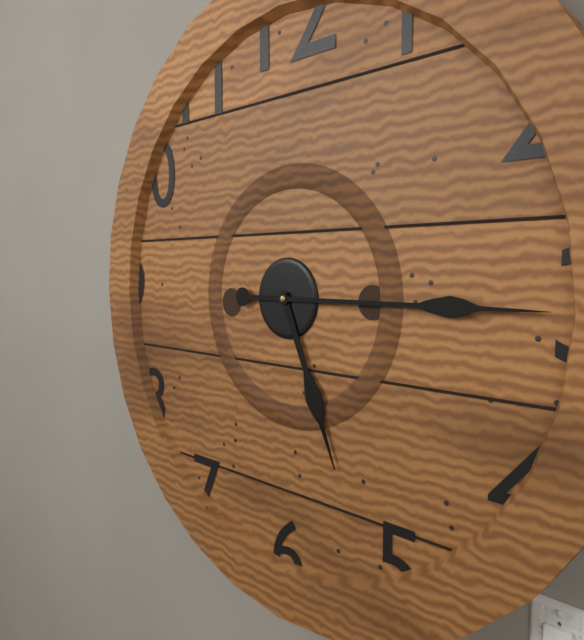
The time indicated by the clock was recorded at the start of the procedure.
5:15
